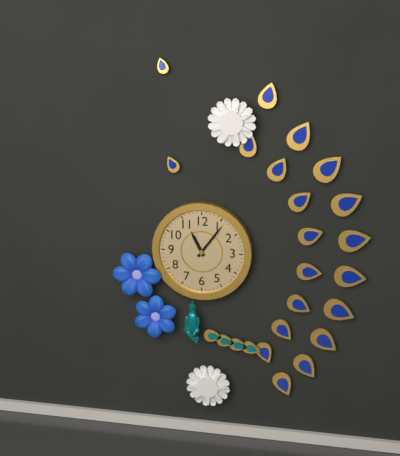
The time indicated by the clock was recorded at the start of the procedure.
11:06
